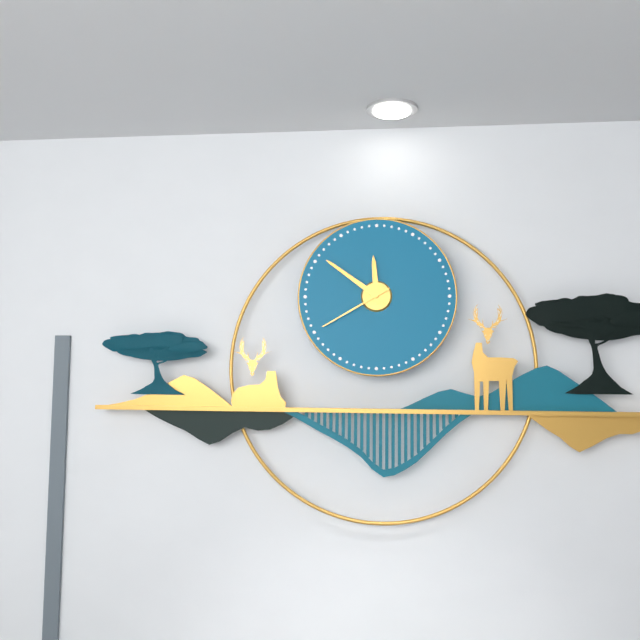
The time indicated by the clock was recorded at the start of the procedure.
11:51:40
